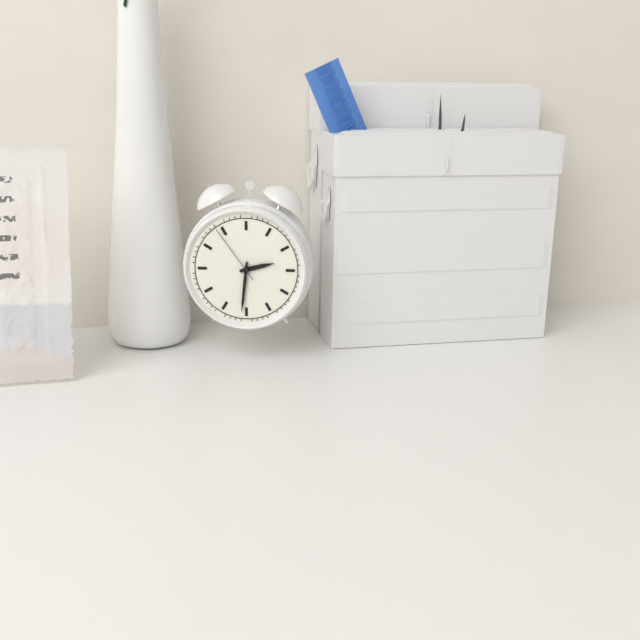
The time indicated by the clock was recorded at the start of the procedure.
2:31:54
